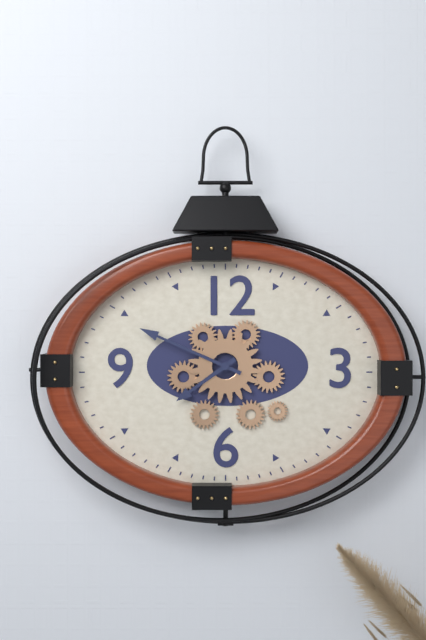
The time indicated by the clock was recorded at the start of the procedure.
7:49
